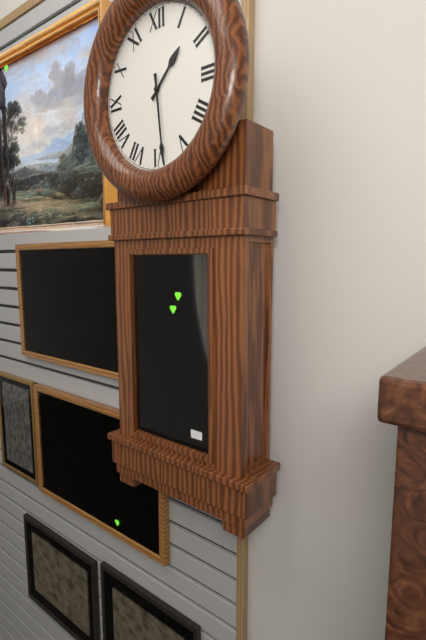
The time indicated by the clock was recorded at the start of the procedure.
1:29
